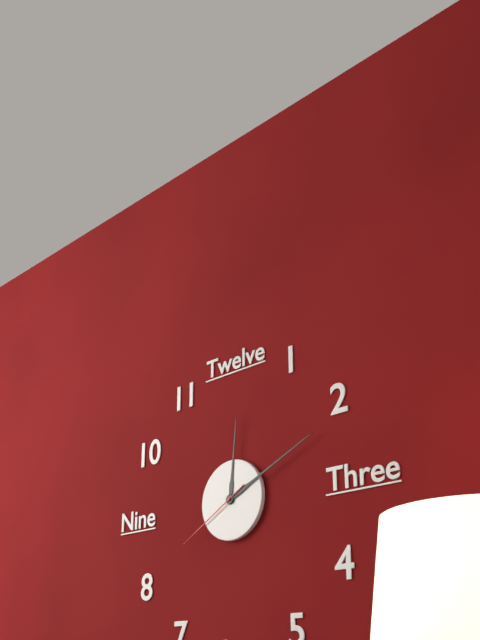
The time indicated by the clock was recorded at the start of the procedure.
12:11:40
